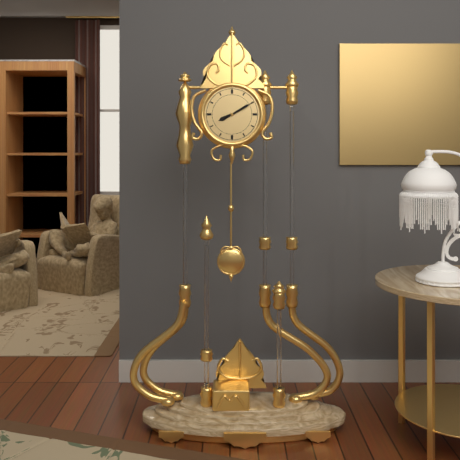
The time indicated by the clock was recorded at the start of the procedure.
8:10
